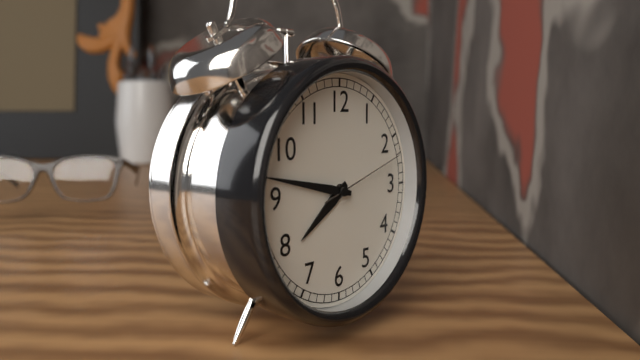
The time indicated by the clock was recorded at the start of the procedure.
7:47:12
